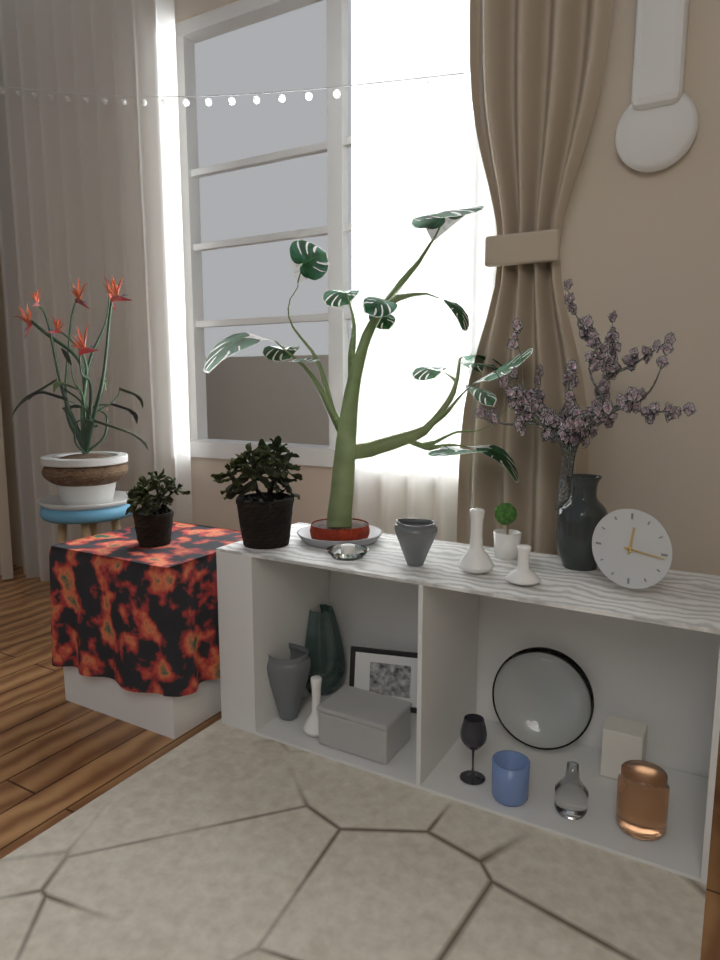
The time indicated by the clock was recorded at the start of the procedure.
12:16
